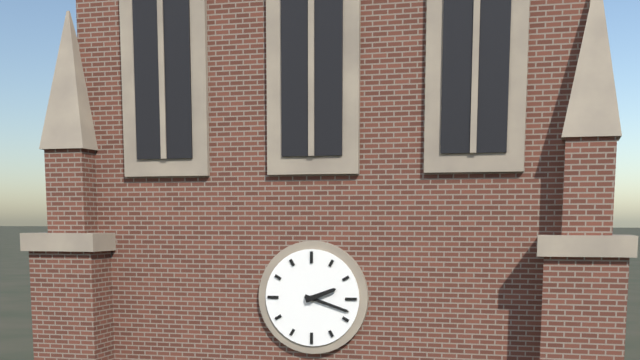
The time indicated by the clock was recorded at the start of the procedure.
2:18
